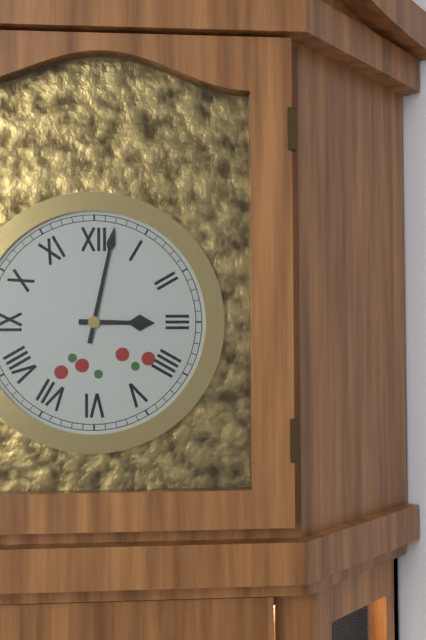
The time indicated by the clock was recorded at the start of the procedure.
3:02
